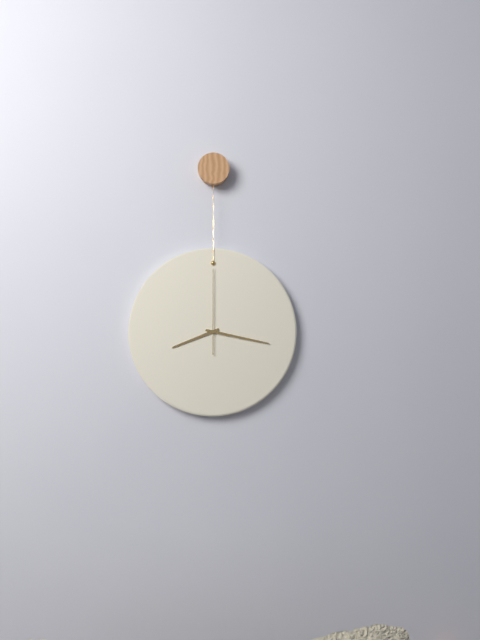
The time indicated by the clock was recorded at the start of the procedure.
8:17:00
